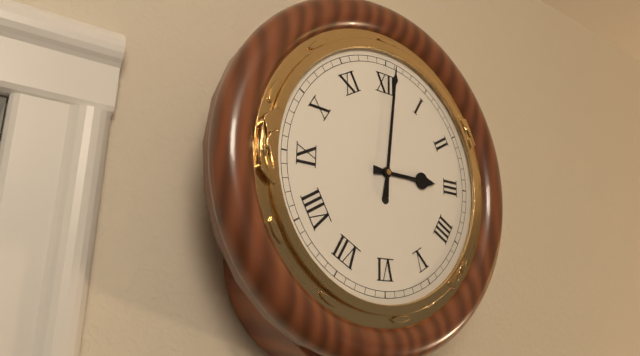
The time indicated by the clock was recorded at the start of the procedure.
3:01
